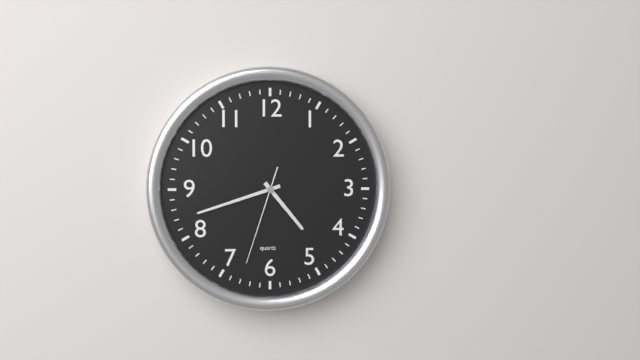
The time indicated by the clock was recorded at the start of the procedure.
4:42:33
